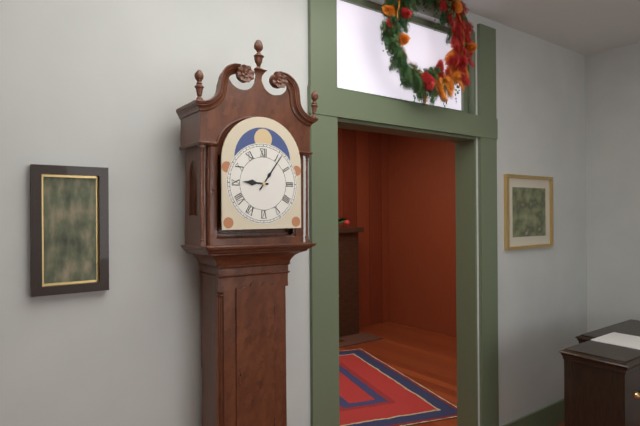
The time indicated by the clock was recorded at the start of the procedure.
9:06
